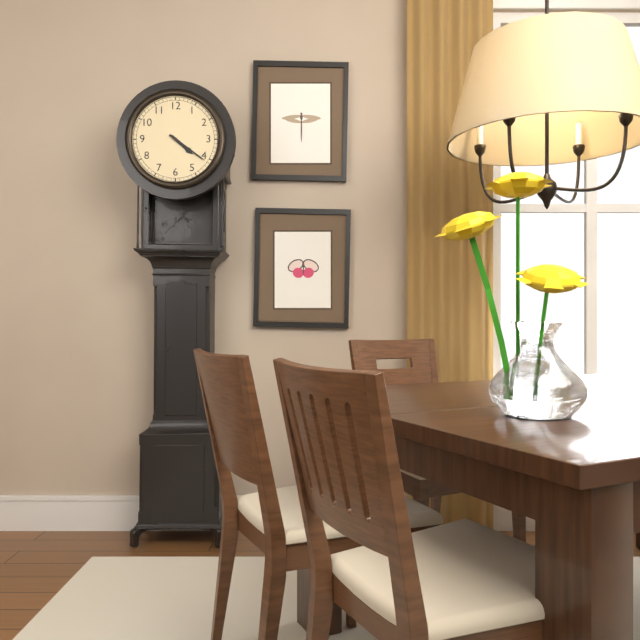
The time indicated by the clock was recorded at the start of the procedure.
4:21
